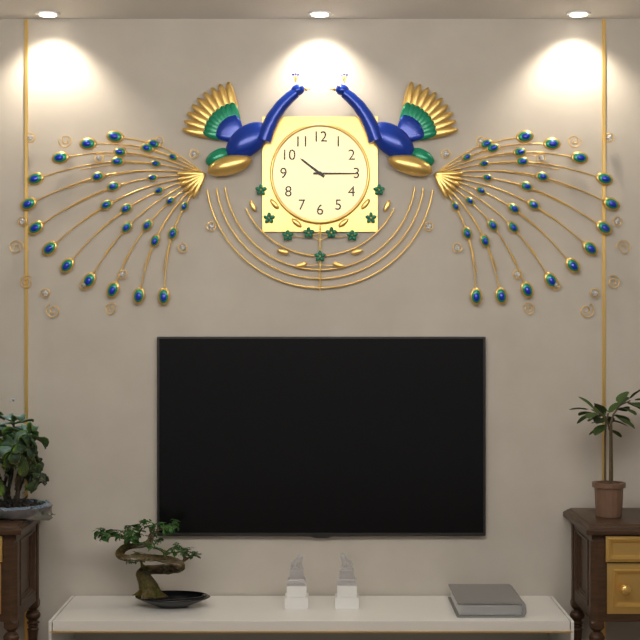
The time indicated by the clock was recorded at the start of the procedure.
10:15
